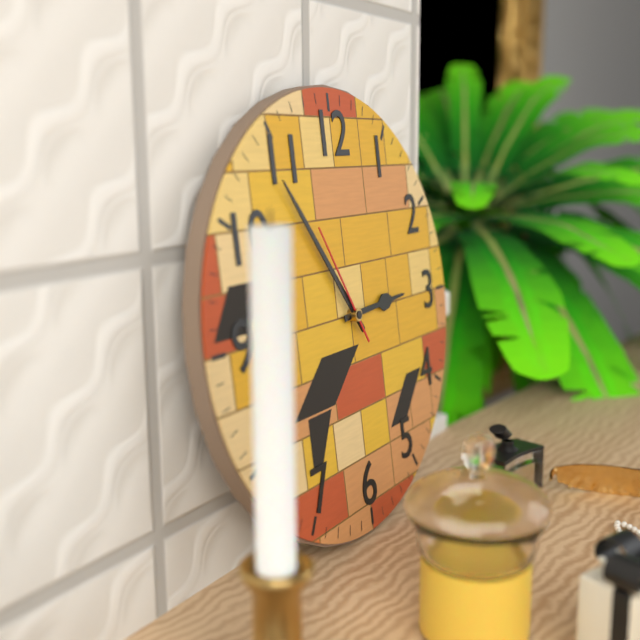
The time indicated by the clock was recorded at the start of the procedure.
2:54:55
